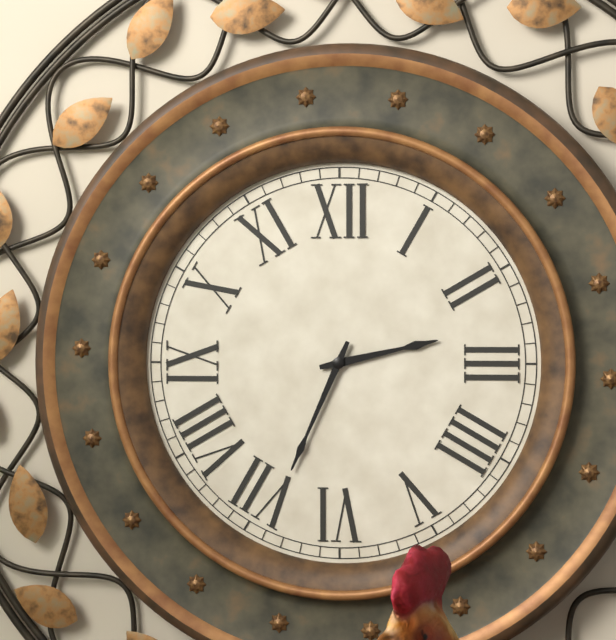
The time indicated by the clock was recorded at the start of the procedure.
2:34
